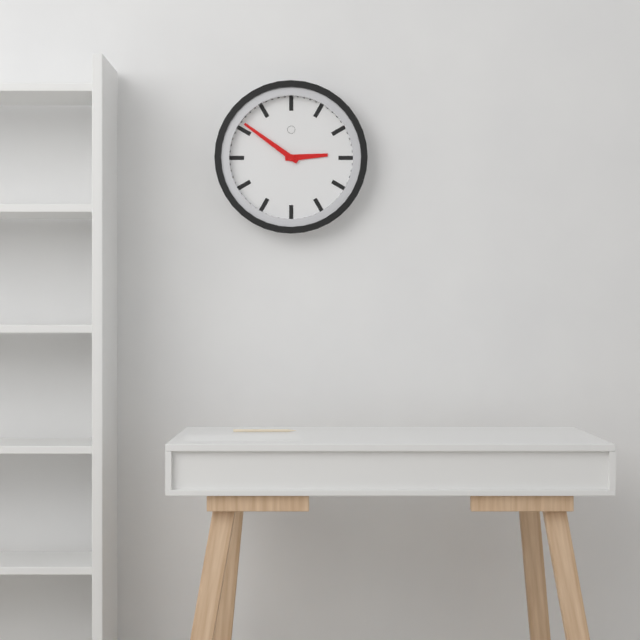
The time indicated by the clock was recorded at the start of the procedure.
2:51
